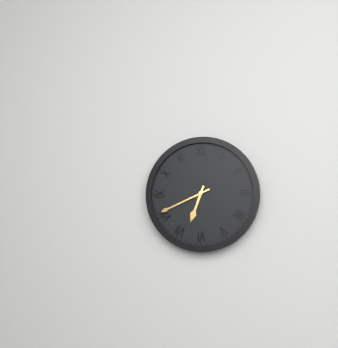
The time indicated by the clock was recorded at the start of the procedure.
6:41
